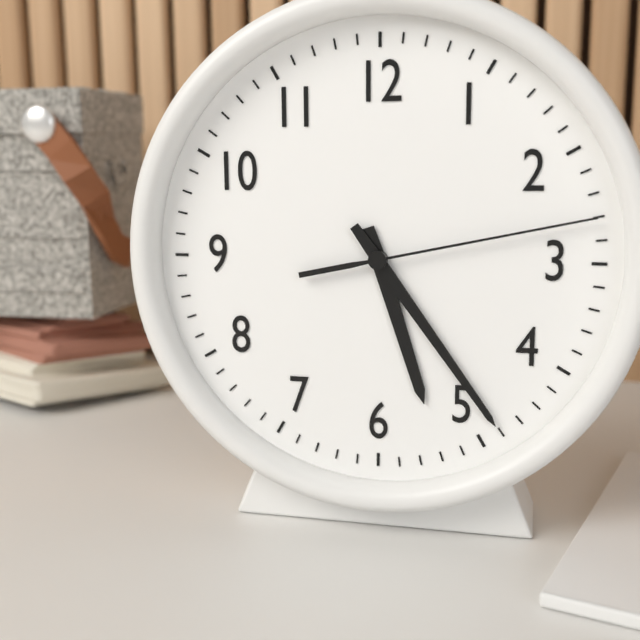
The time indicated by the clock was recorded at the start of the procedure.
5:24:13
